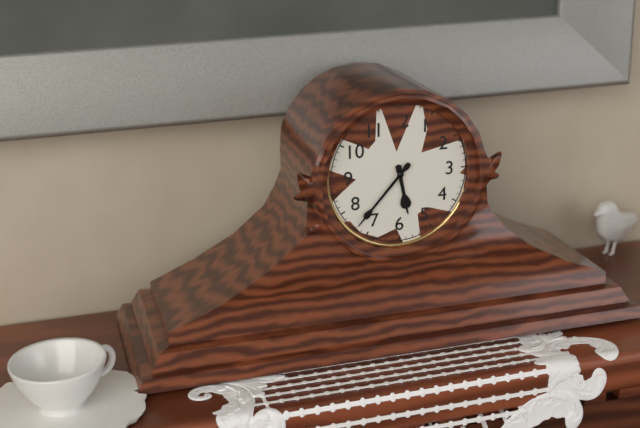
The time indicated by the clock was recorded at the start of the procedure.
5:37
